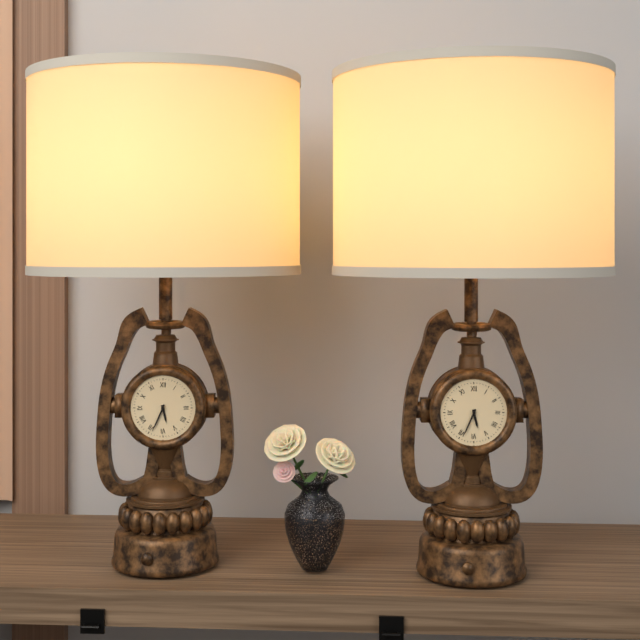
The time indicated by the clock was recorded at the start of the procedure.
5:34
